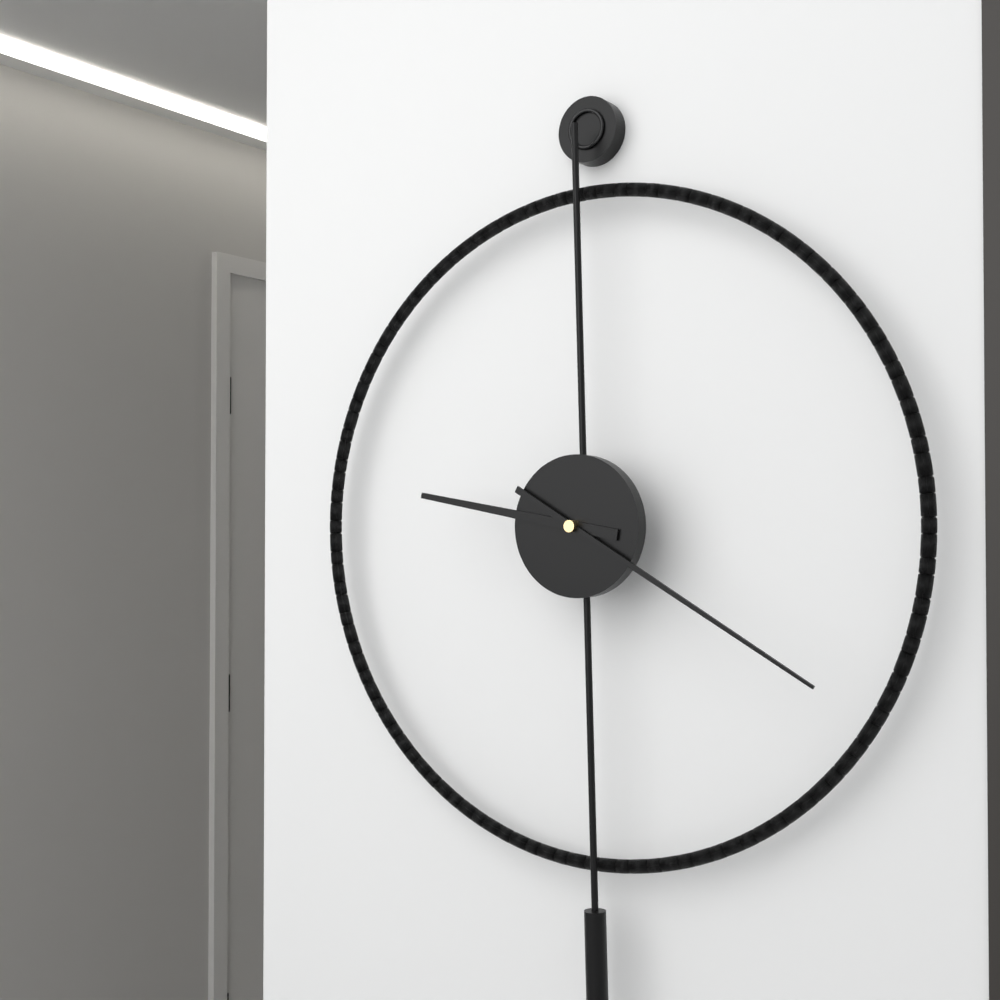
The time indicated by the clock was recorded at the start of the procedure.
9:20
